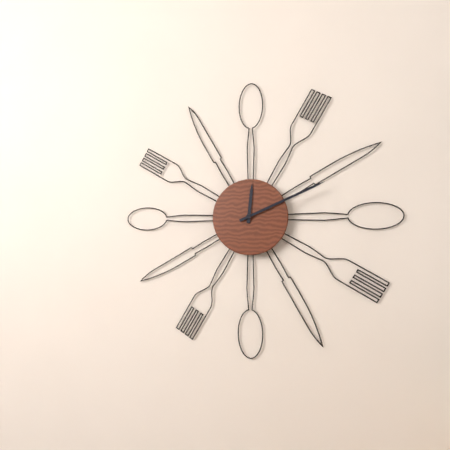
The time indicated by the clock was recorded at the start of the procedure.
12:11
